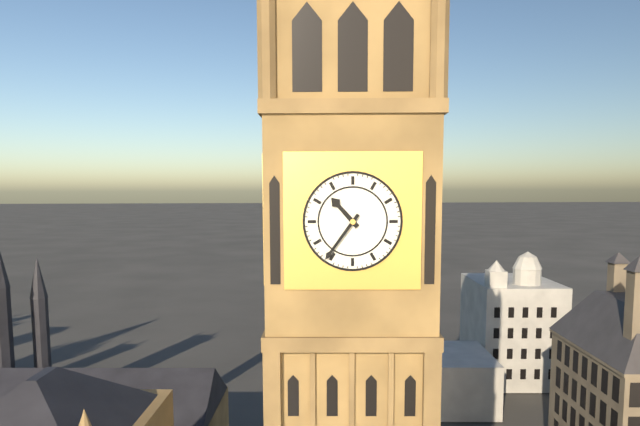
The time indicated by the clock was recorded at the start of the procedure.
10:36
